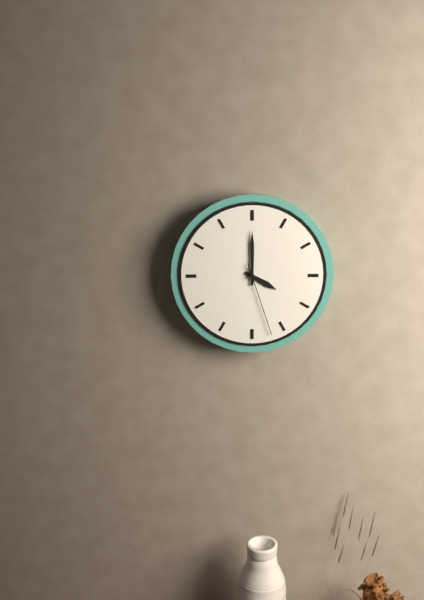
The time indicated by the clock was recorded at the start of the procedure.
4:00:27
